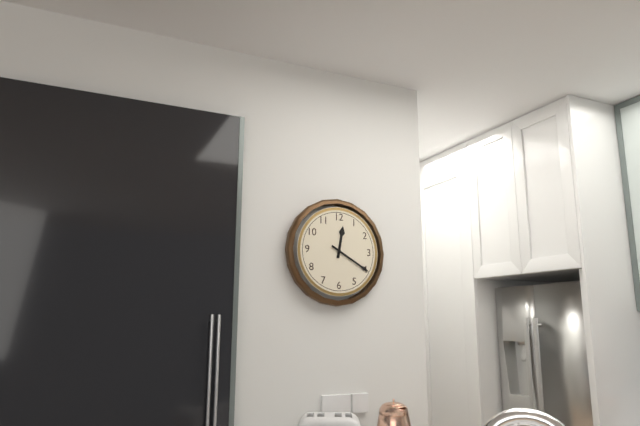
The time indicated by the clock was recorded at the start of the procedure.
12:20
